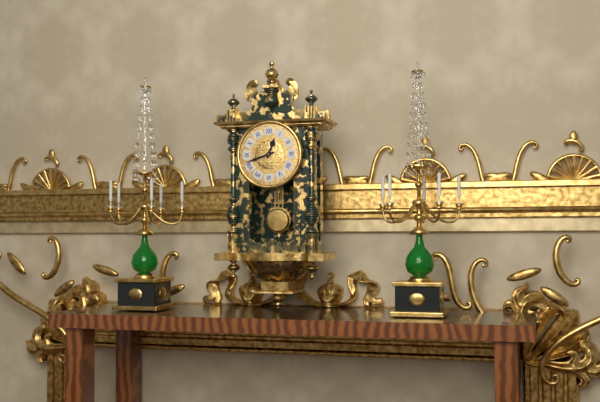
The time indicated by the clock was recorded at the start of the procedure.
12:42
